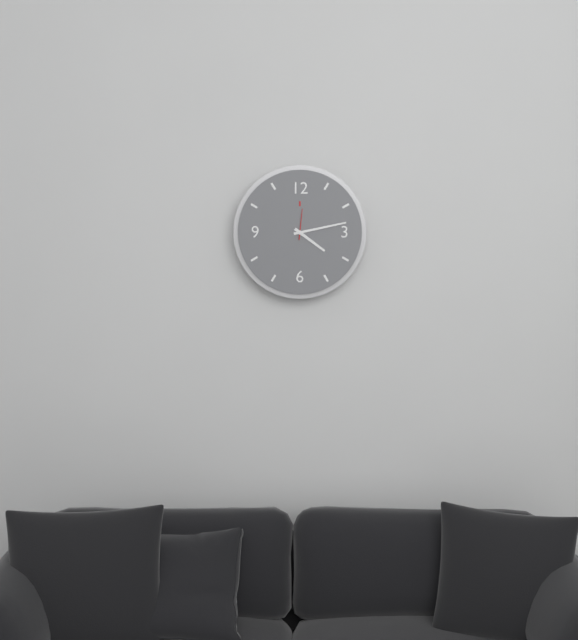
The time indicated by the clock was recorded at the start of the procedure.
4:13
